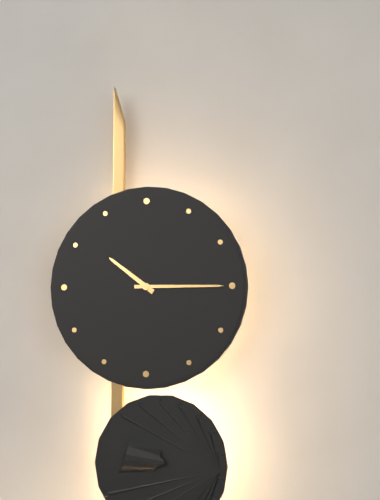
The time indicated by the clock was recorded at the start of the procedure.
10:15
